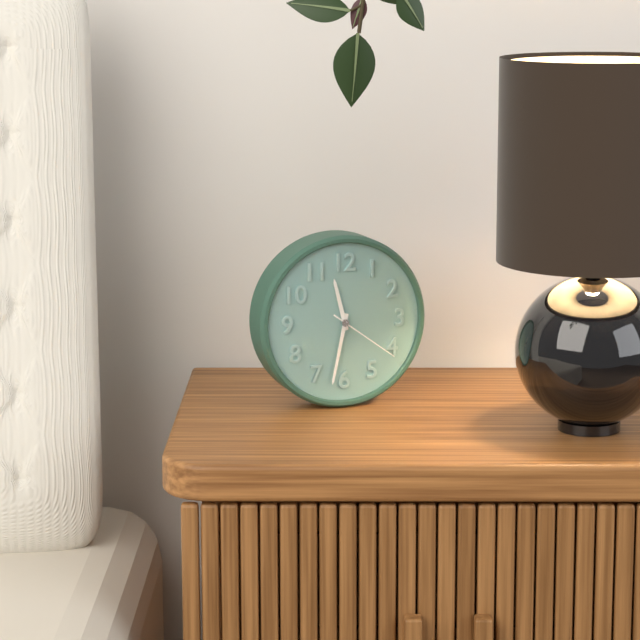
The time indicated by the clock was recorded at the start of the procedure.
11:32:21
